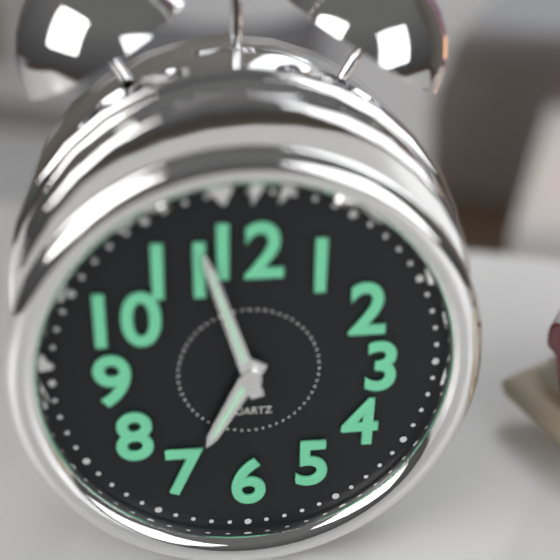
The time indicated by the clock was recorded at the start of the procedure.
6:57
